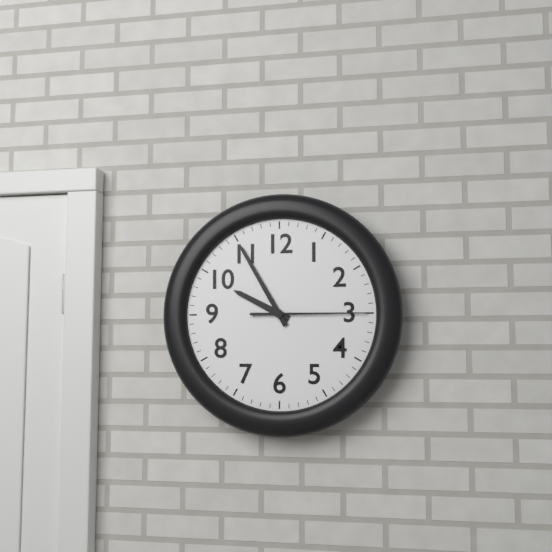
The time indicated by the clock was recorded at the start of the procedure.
9:55:15
